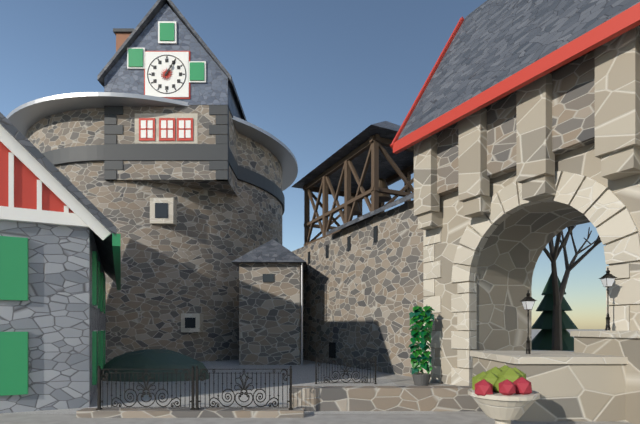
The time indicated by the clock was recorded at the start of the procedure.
1:05
